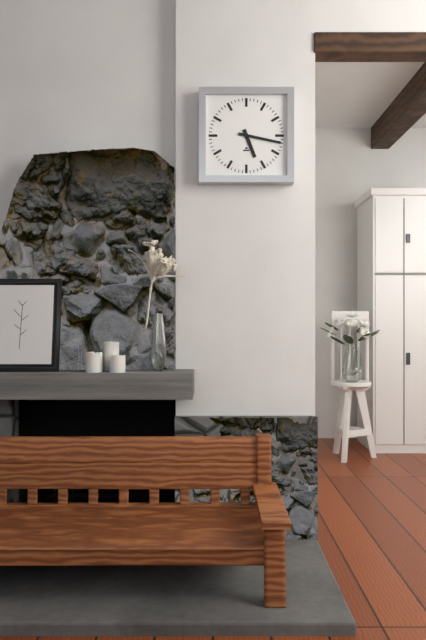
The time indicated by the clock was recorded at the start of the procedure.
5:17
